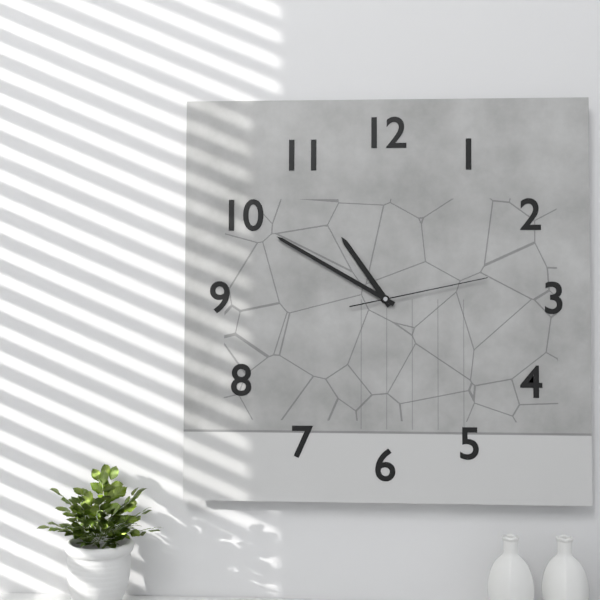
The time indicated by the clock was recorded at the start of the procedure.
10:50:13
